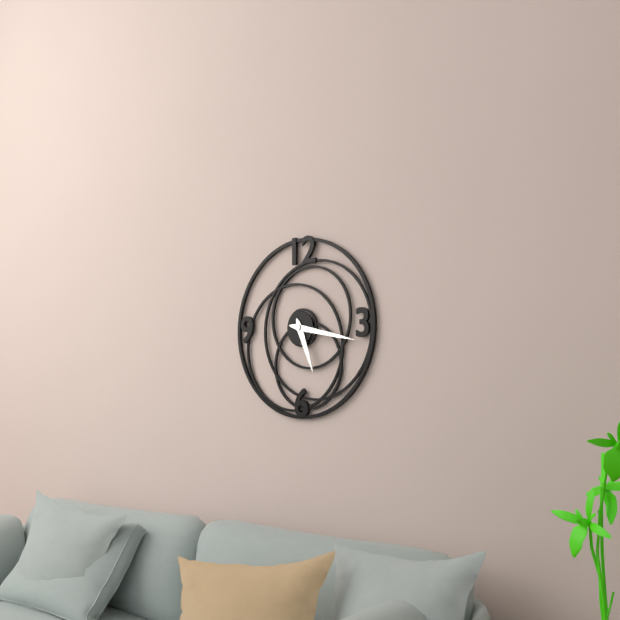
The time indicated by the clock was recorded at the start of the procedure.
5:17
